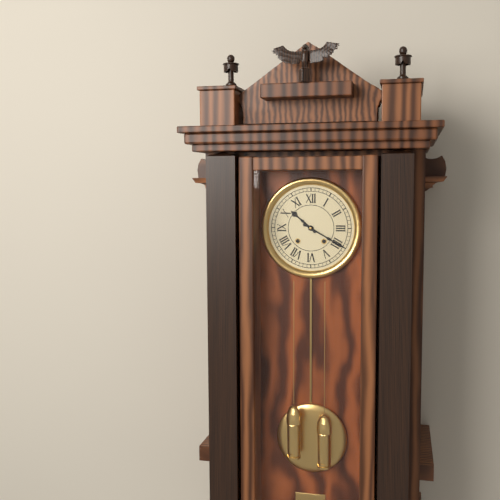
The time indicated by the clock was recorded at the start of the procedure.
10:20
